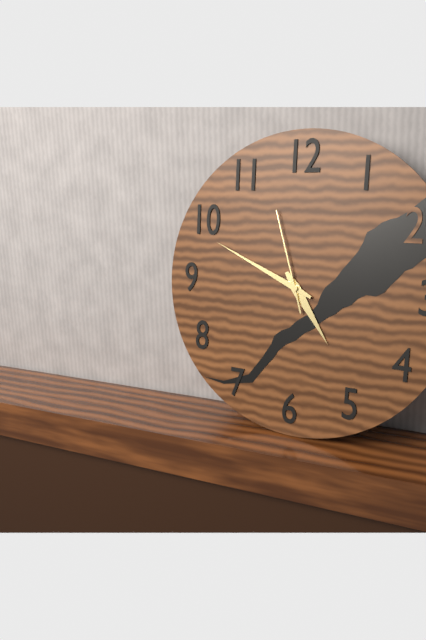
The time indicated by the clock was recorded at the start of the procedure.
4:49:57
